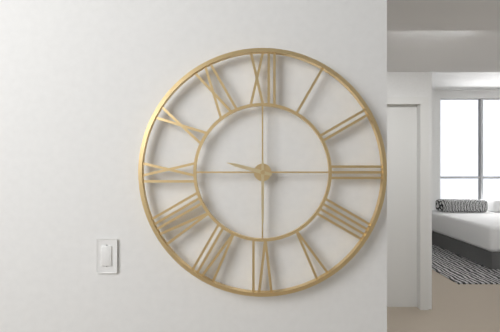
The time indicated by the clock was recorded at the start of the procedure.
9:30
